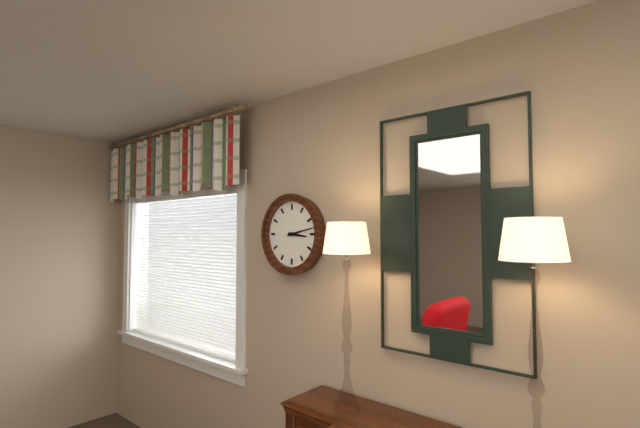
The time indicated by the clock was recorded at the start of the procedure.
3:13
